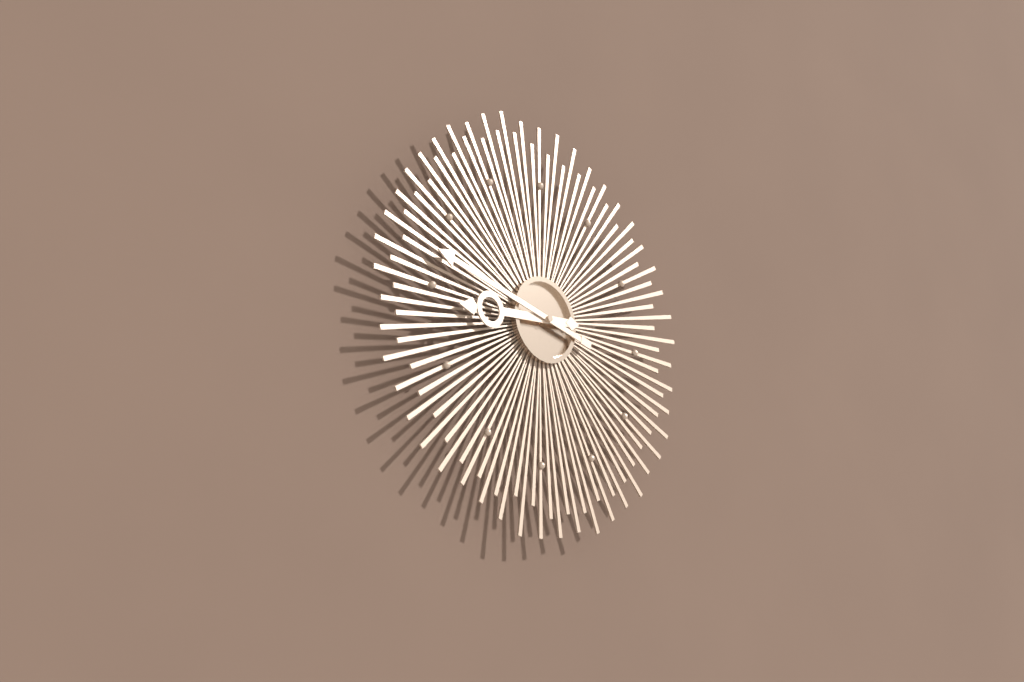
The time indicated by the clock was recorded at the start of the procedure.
8:47
